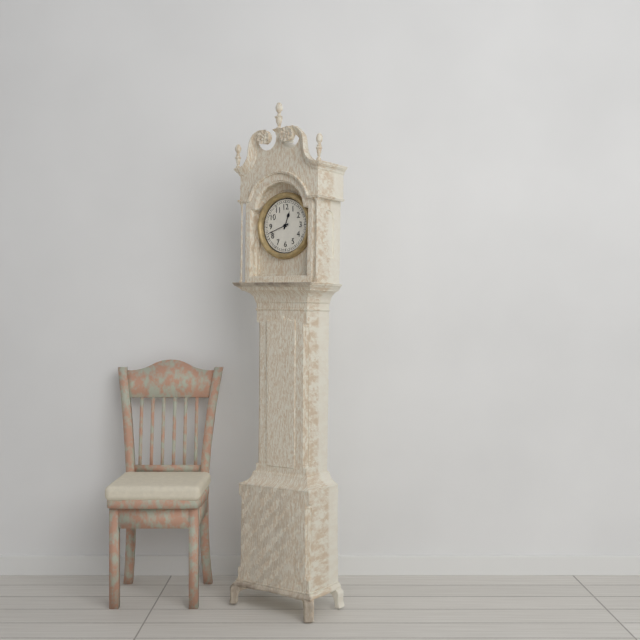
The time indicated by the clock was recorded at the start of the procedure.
12:42
